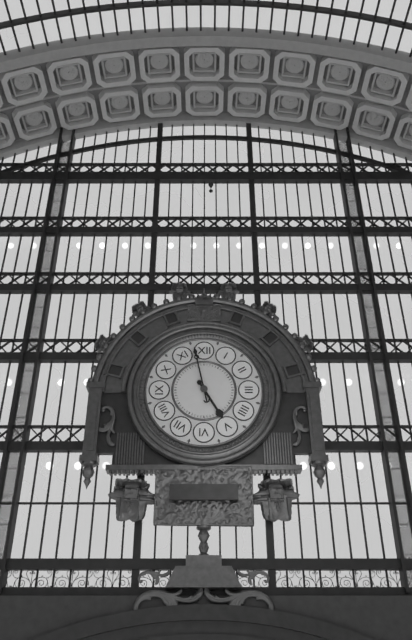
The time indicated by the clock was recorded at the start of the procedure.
4:58
